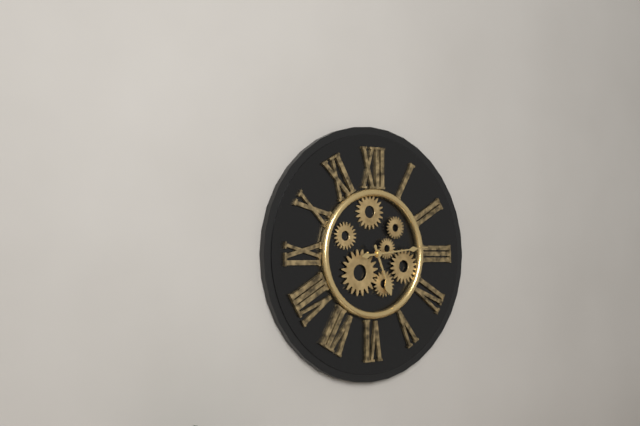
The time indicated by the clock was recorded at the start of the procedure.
5:14
